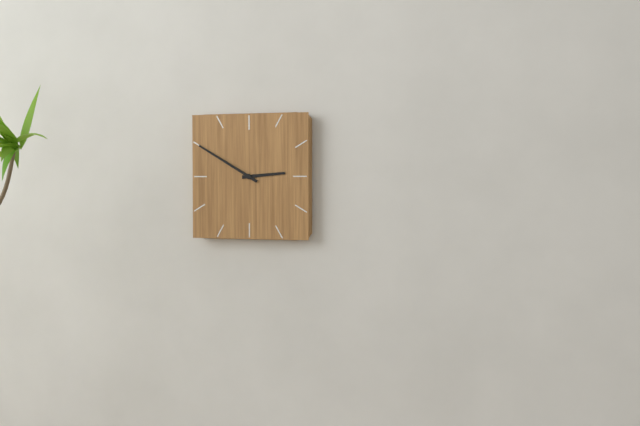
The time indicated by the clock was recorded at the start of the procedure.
2:50
